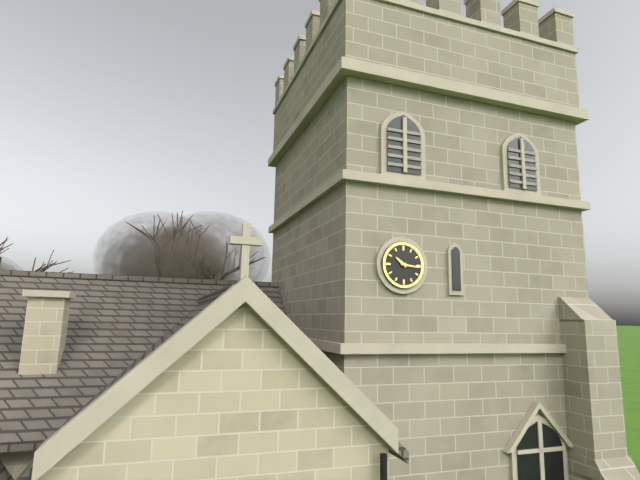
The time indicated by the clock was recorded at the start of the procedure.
10:16
